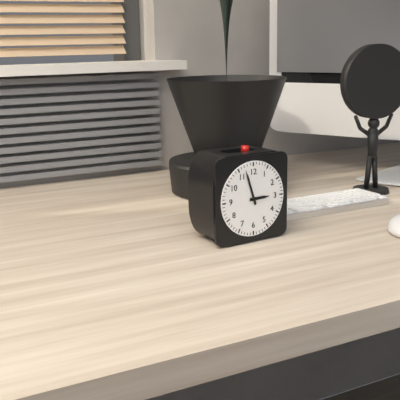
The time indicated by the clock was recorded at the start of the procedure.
2:57
